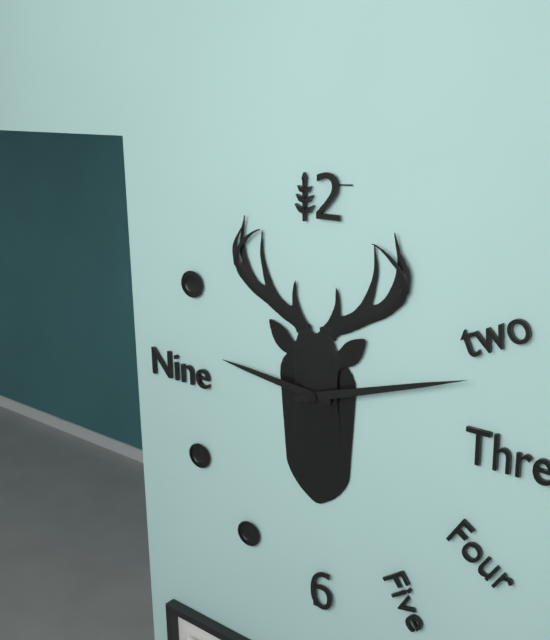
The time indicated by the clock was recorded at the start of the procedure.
9:12
